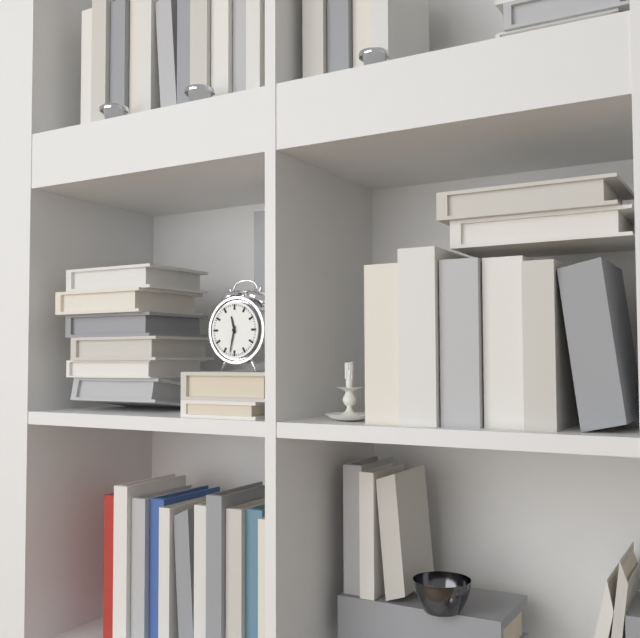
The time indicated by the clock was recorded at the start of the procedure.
11:32
